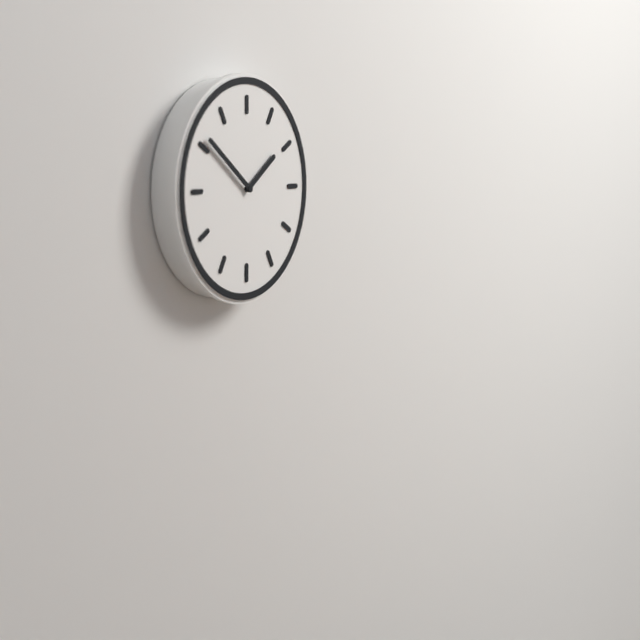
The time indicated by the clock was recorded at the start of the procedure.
1:51
